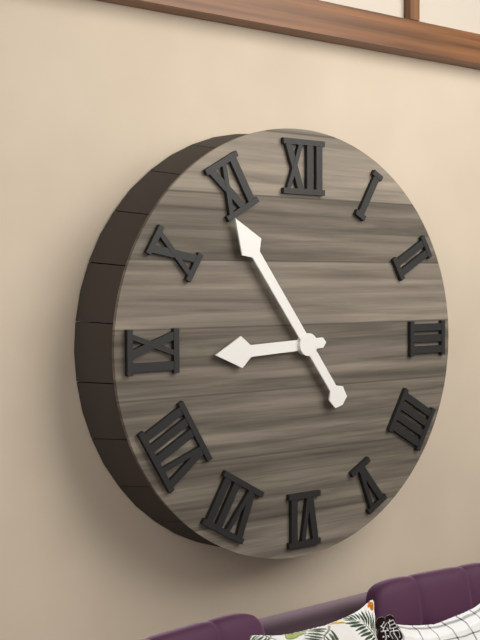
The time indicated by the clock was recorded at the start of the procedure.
8:54
